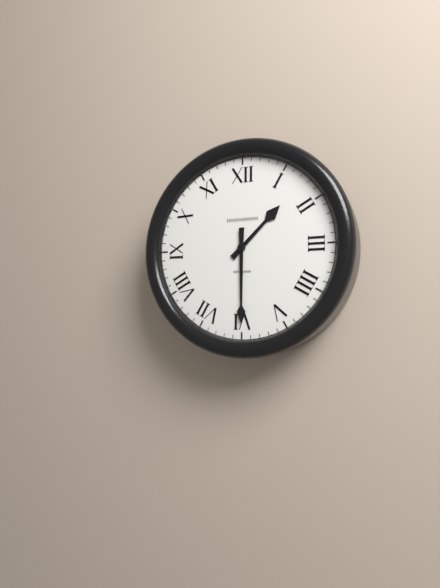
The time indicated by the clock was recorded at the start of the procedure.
1:30
